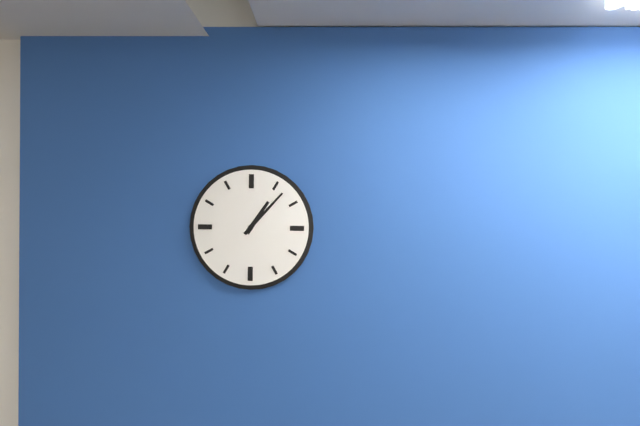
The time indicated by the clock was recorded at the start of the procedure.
1:07
